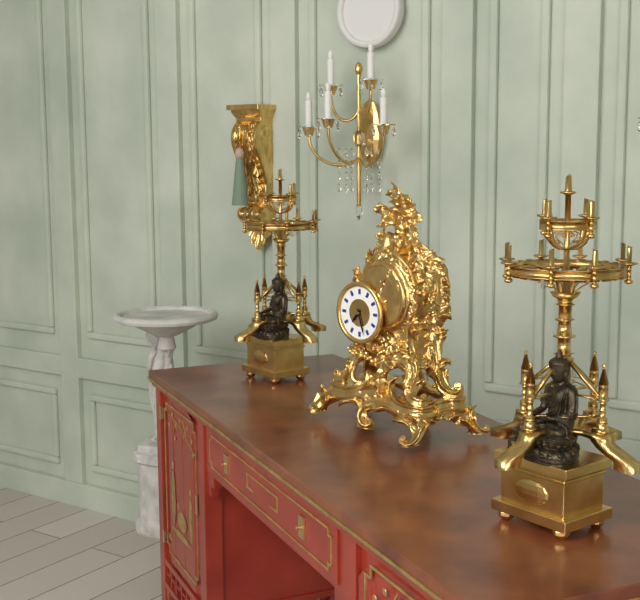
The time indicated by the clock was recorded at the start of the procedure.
7:27
